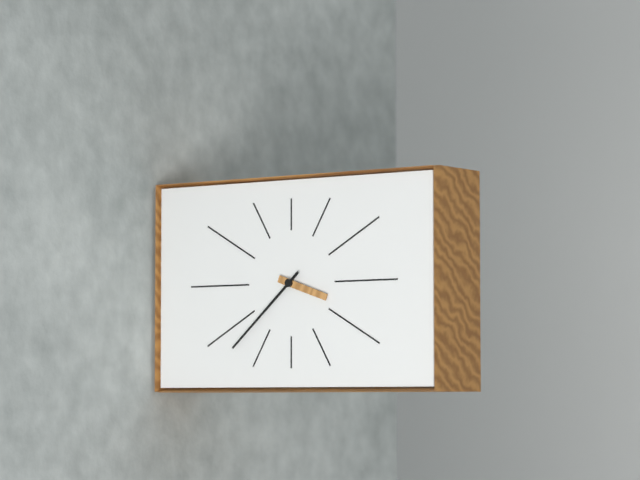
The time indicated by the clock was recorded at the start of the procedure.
3:38
